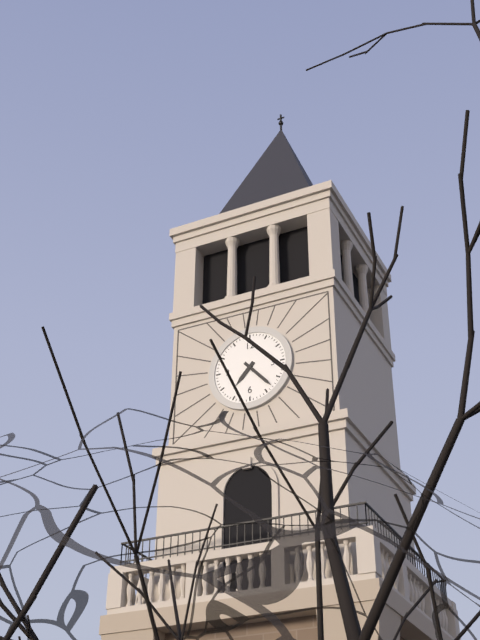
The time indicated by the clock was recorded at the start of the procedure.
7:23
